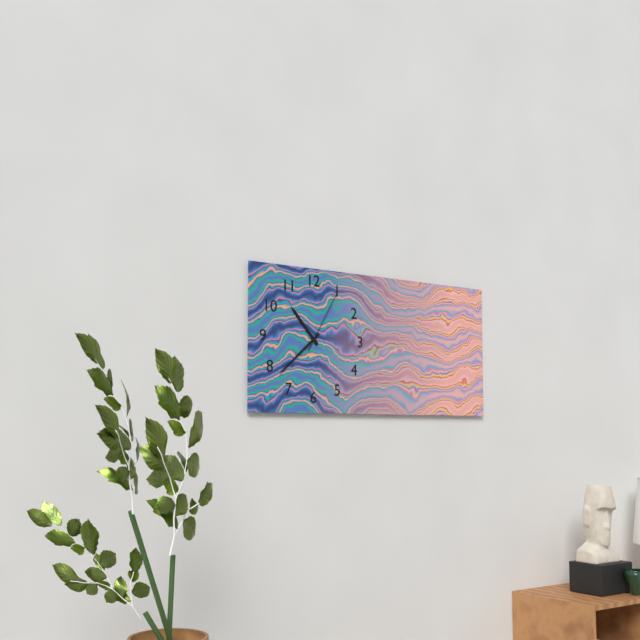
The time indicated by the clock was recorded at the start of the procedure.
10:38:05
